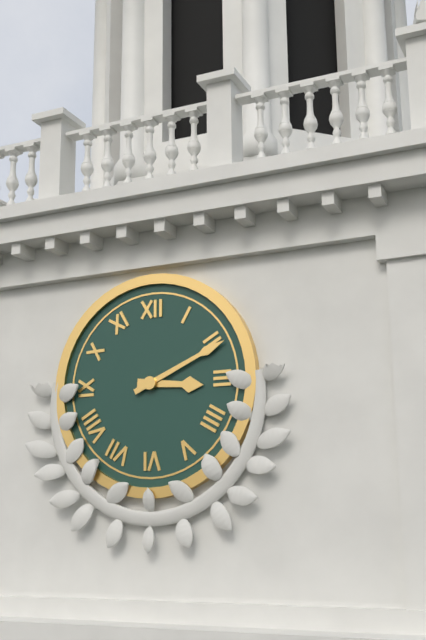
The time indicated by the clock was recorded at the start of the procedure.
3:11
